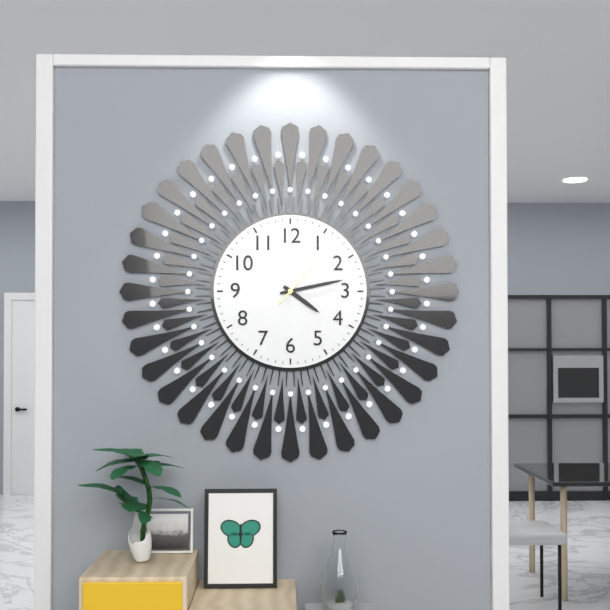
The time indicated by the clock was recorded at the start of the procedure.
4:13:07
